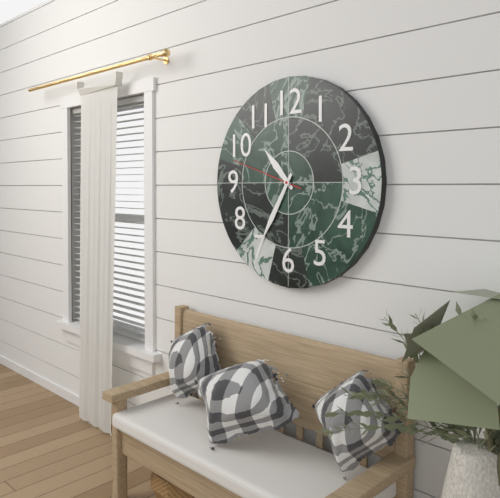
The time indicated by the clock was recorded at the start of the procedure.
10:35:48
